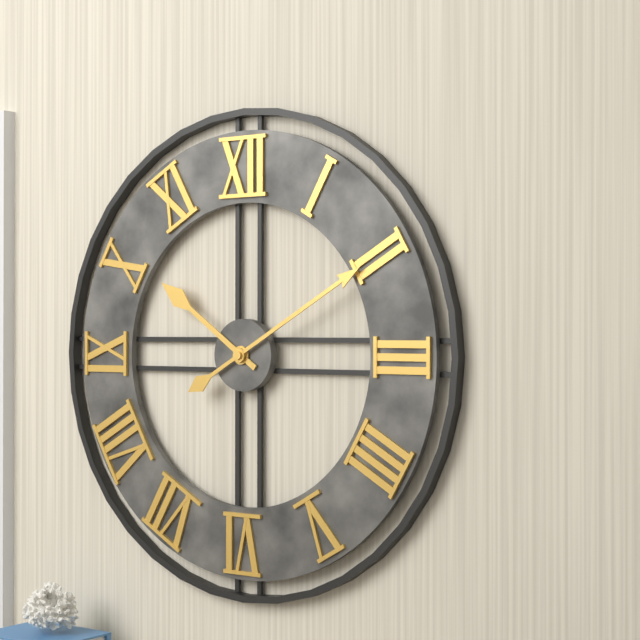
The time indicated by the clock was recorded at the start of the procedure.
10:10
